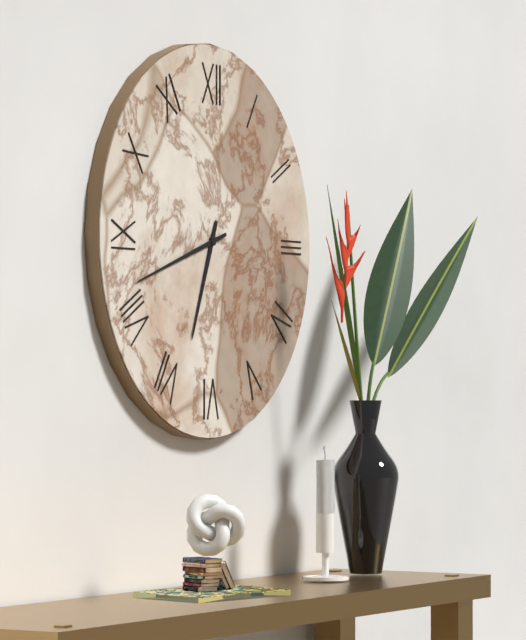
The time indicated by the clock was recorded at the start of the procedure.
6:42
